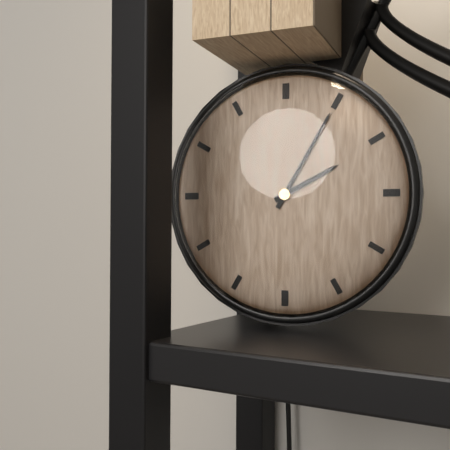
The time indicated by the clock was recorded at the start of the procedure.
2:05
